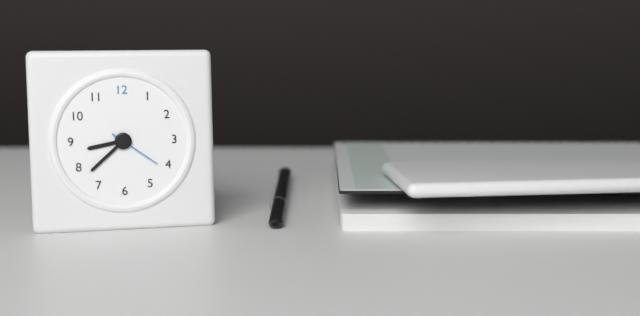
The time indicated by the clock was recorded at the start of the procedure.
8:38:21
